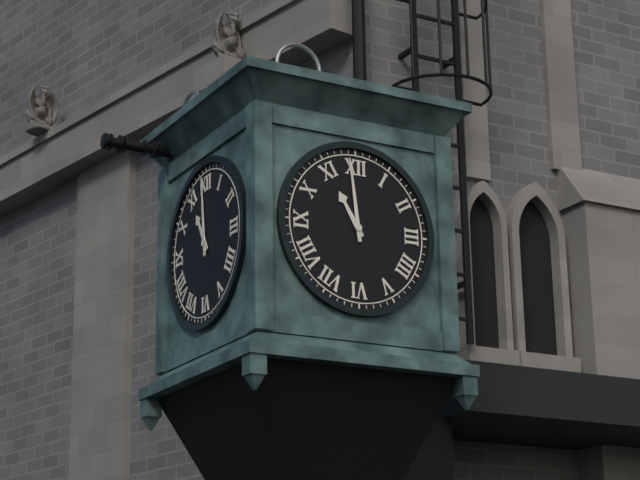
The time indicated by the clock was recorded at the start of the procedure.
10:59
